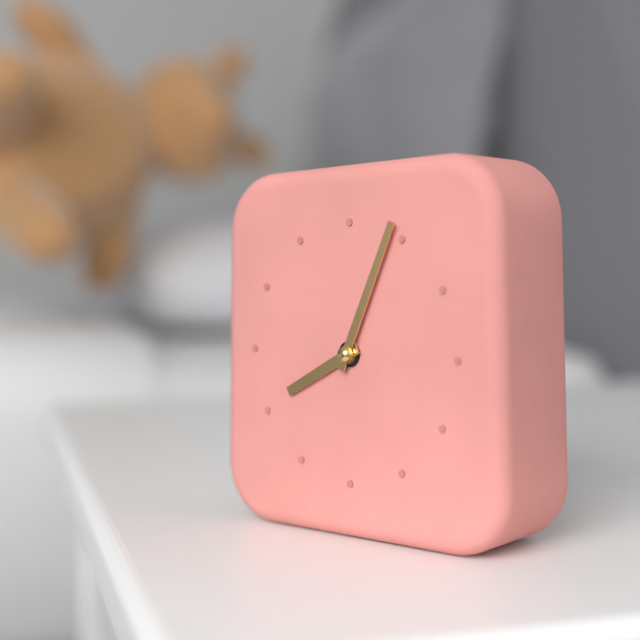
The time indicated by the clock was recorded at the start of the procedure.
8:04
